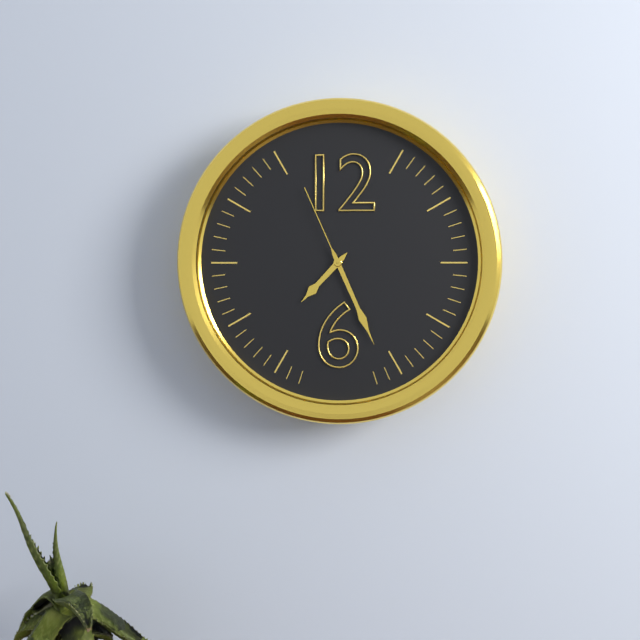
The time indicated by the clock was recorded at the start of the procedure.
7:26:56
